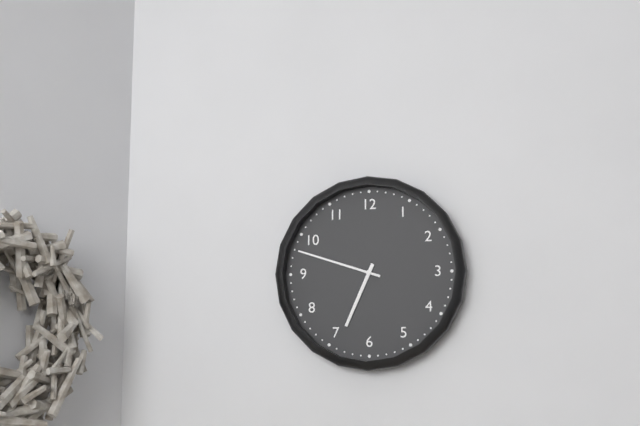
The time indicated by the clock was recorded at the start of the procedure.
6:48
